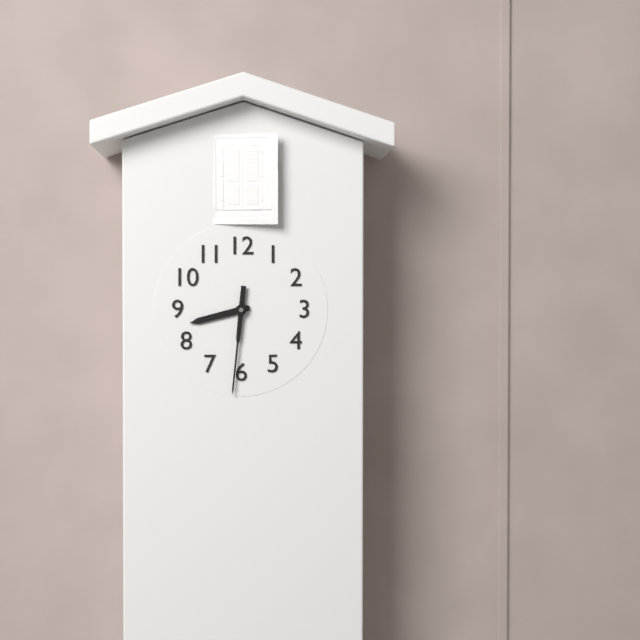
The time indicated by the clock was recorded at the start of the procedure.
8:31
